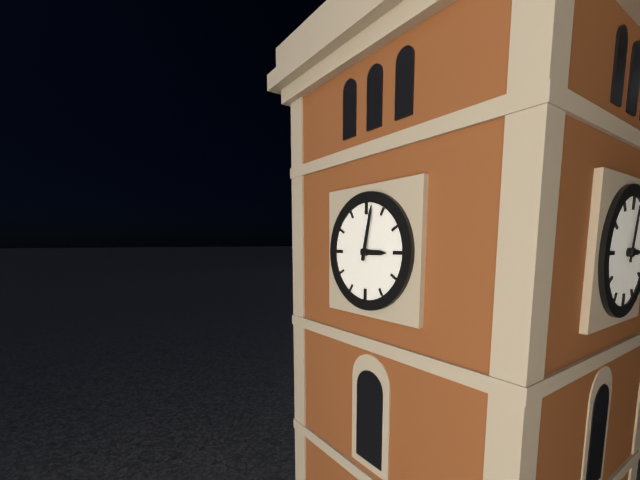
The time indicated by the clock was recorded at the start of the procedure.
3:02
